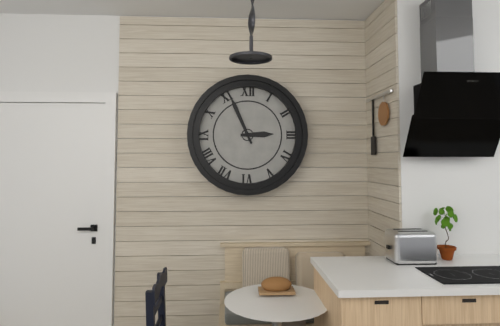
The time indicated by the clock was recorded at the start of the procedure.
2:56
